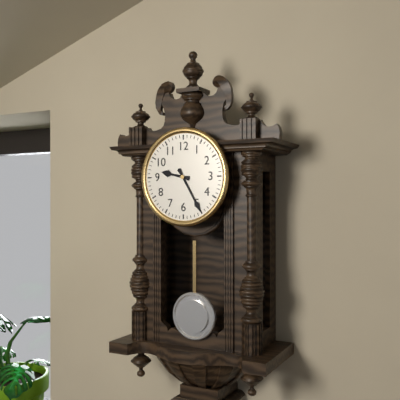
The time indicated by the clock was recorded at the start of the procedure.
9:25
